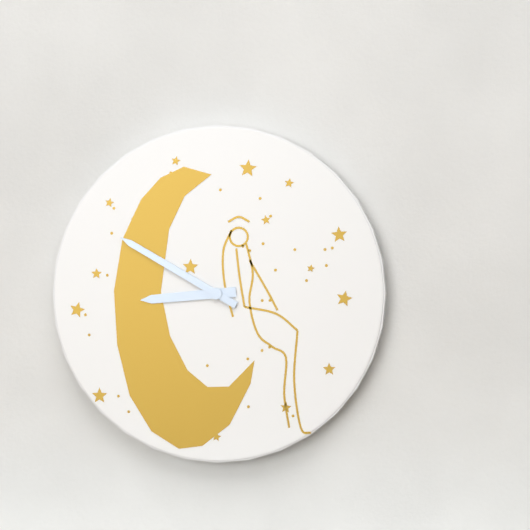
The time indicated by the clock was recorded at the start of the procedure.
8:50
